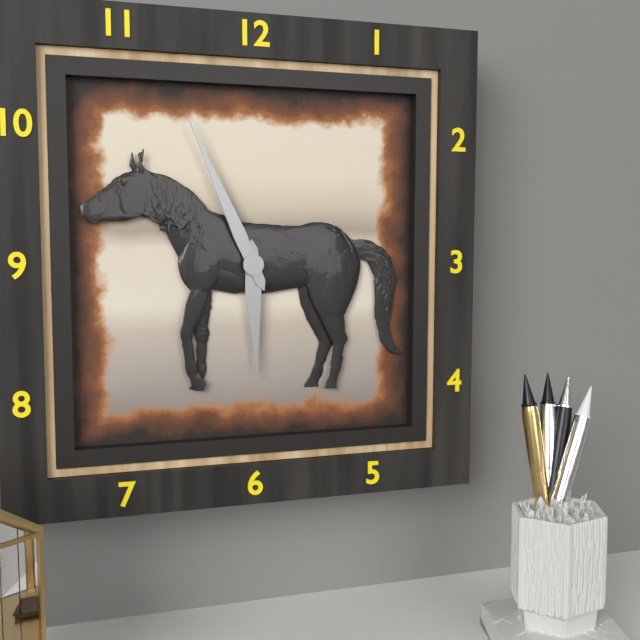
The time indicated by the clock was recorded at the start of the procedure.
5:56
